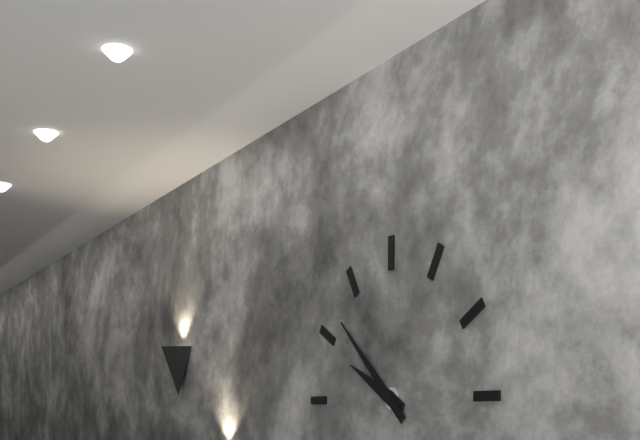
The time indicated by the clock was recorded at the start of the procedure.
9:52
